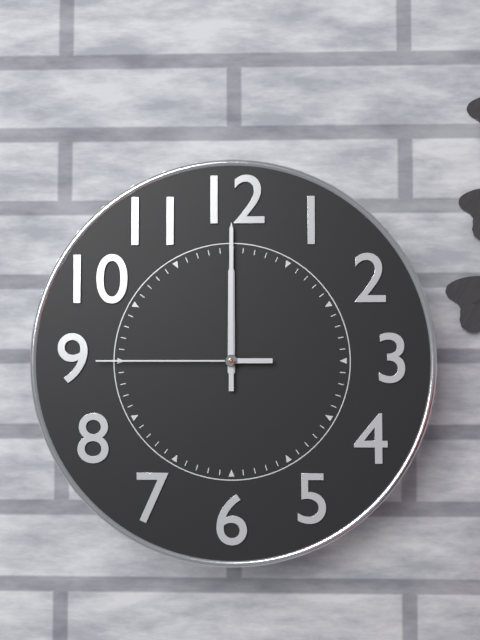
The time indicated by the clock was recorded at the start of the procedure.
12:00:45
